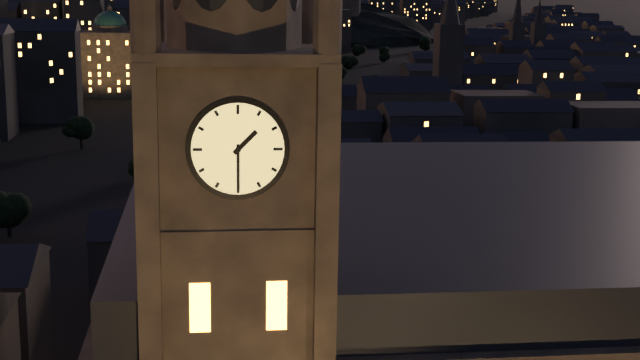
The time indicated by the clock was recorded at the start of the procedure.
1:30
